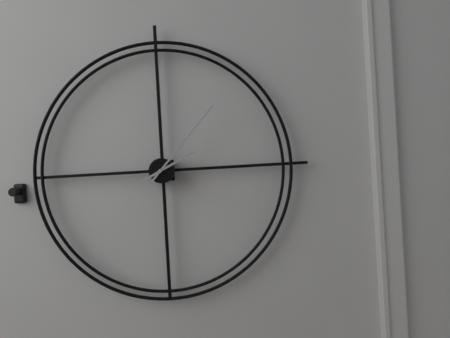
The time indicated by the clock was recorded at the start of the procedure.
2:07
